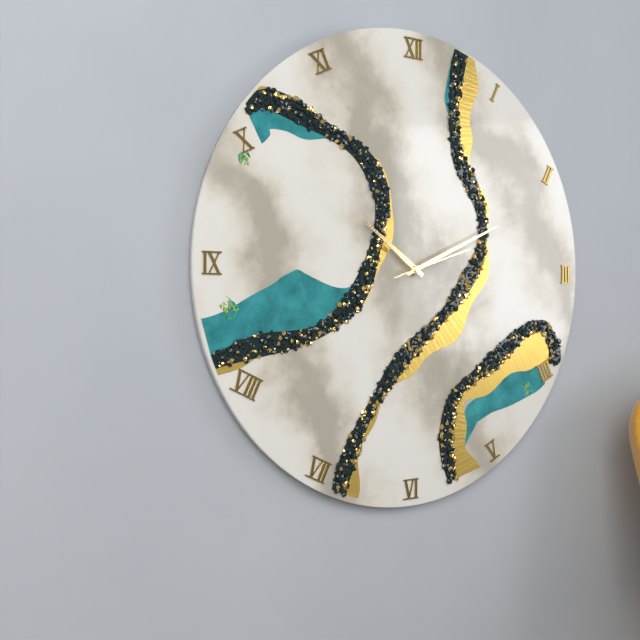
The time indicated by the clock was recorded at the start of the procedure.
10:11:12
